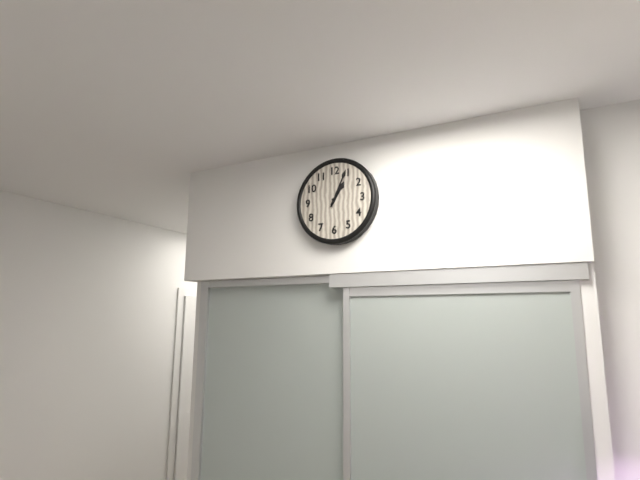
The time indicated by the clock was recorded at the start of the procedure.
1:04
